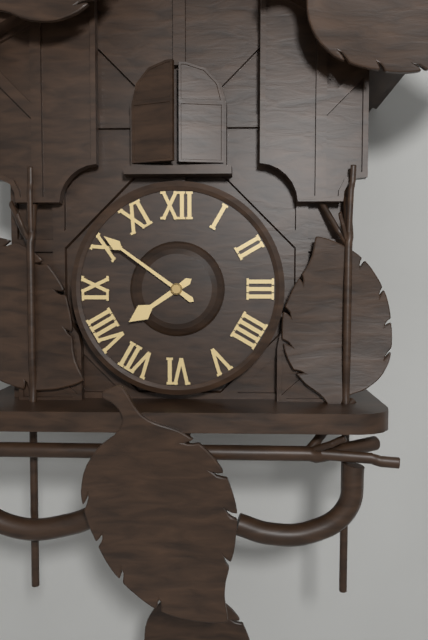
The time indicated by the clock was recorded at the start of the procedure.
7:51
